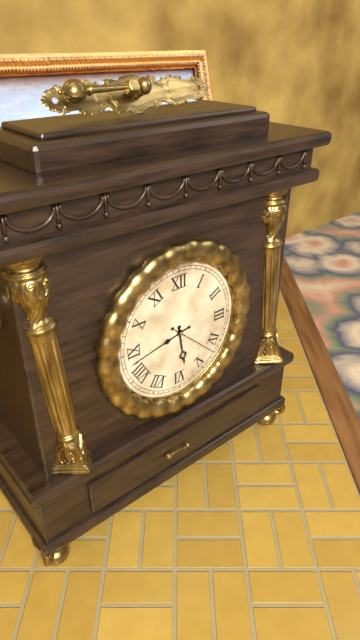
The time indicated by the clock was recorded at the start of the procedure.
5:43
